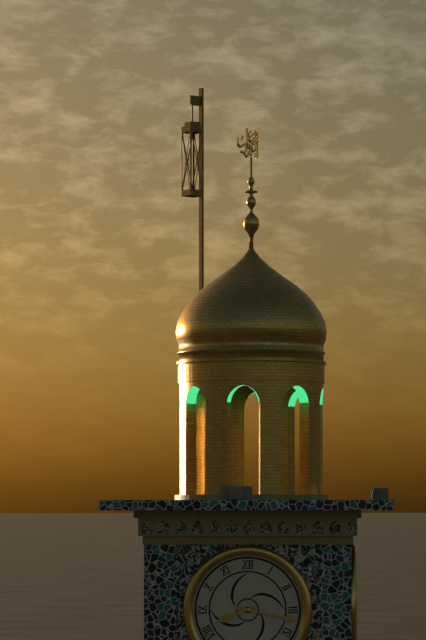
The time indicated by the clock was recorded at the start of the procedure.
8:17
